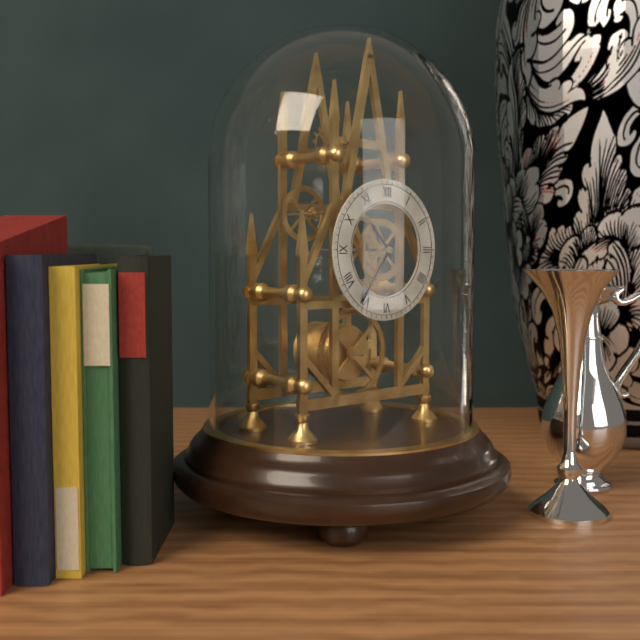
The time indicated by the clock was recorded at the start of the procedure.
10:36
